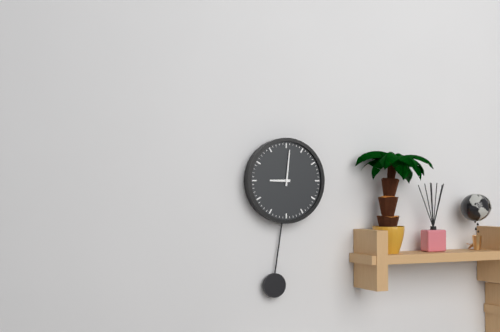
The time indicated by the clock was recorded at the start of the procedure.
9:01
